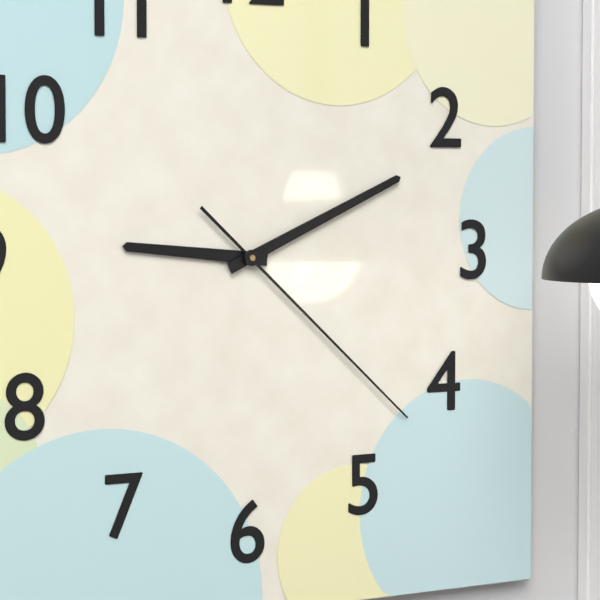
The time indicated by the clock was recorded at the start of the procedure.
9:11:22
